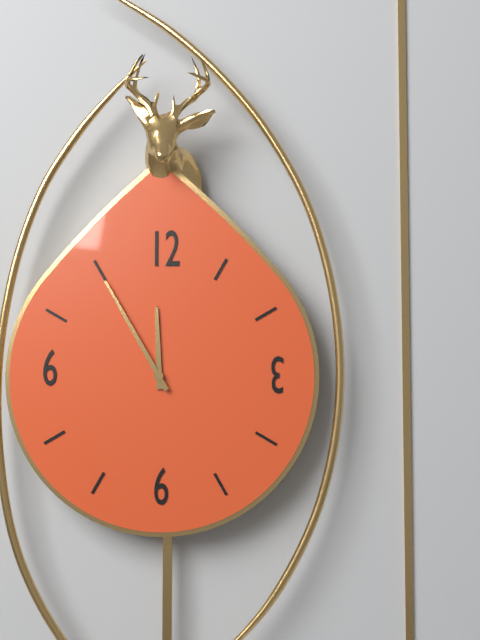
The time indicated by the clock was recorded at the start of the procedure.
11:55
